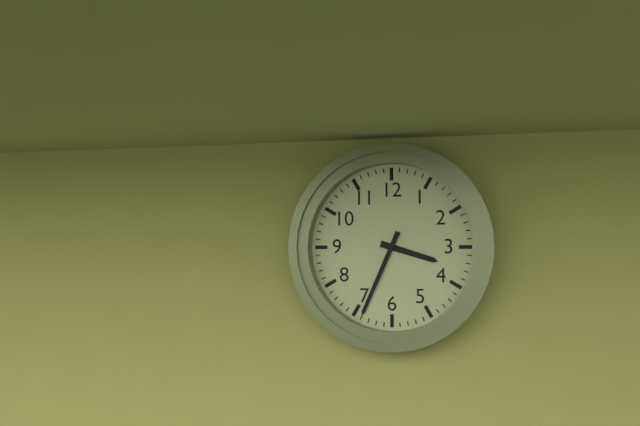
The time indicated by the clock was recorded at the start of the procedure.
3:34
